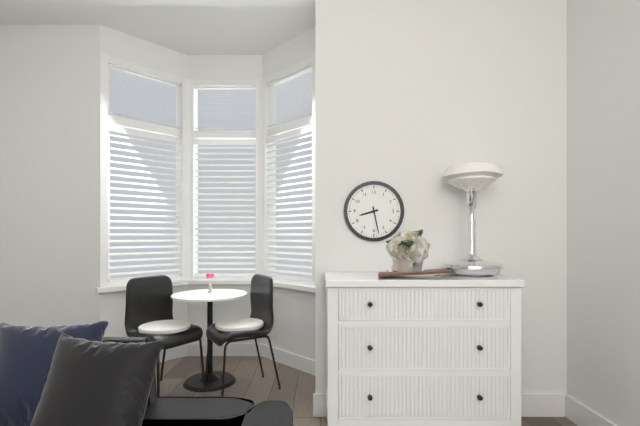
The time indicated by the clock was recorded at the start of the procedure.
8:28
